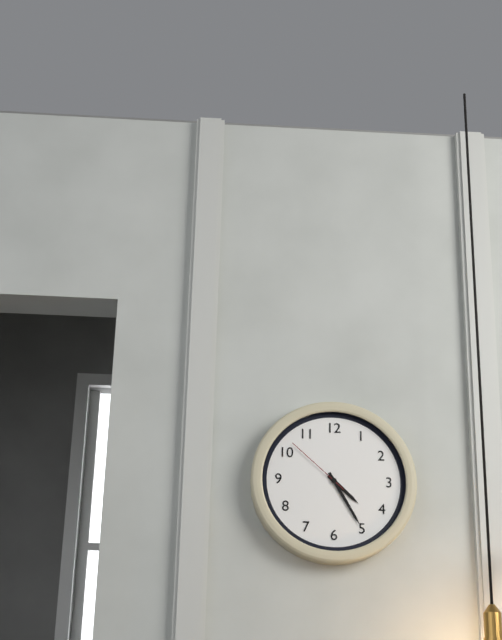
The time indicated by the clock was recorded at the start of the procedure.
4:25:52
